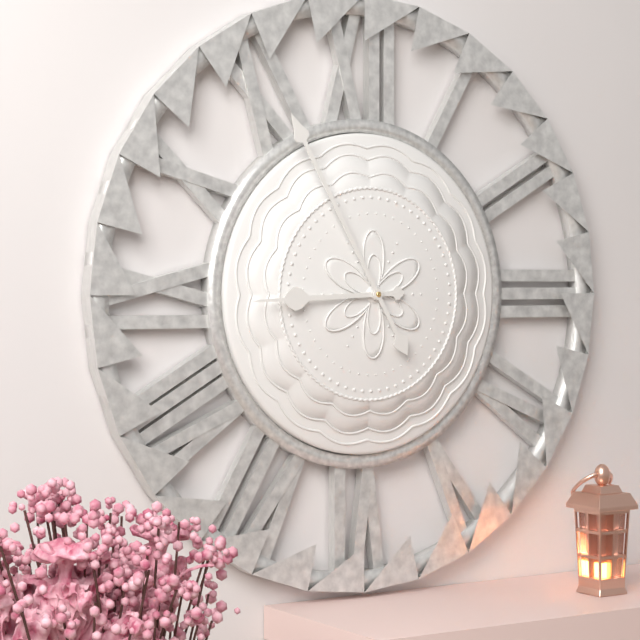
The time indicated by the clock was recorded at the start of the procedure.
8:55
